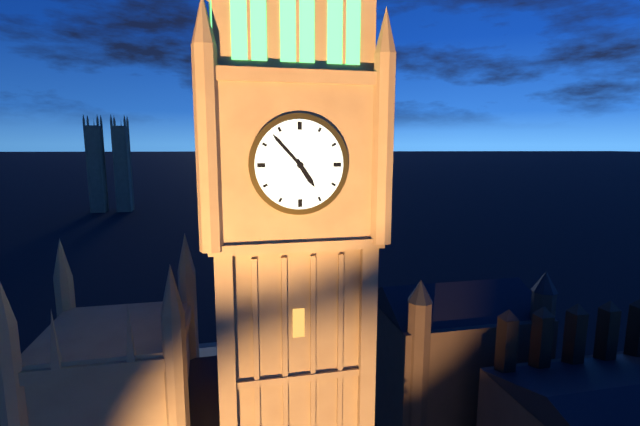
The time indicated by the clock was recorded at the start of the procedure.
4:53
